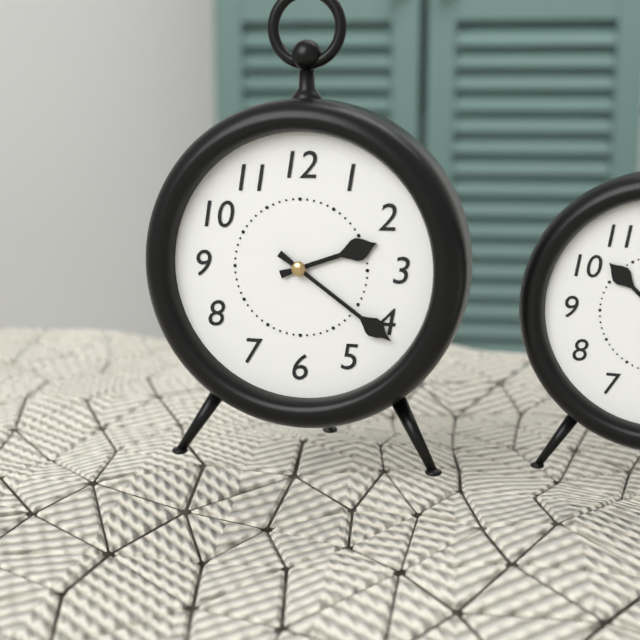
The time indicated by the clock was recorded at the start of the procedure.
2:21
